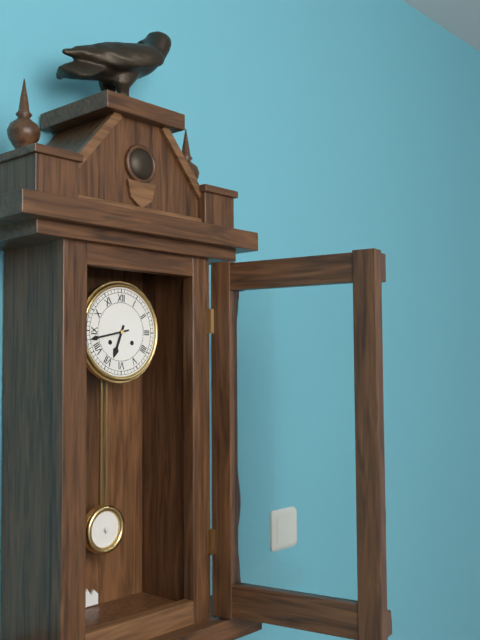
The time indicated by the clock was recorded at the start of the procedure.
6:43
